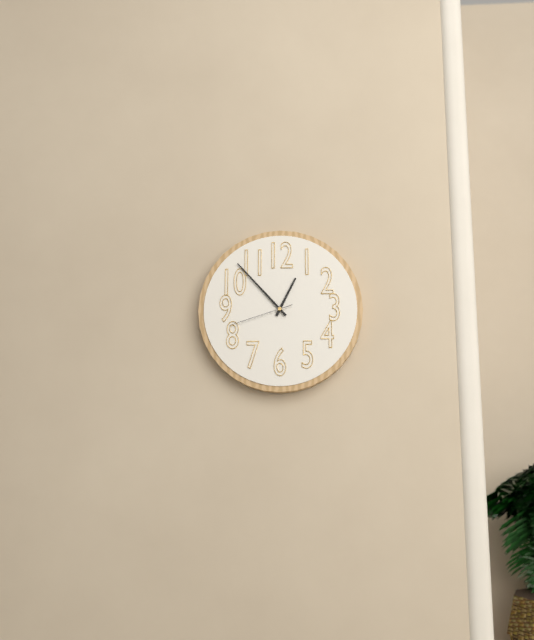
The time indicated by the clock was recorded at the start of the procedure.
12:53:42
